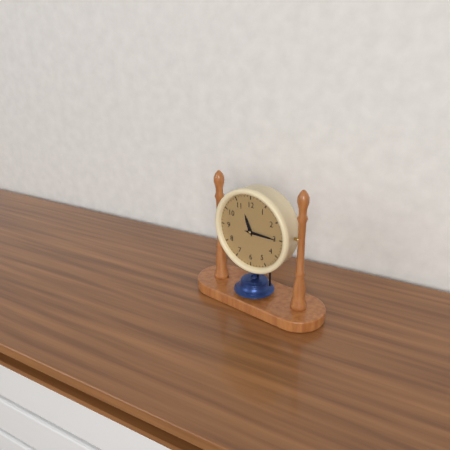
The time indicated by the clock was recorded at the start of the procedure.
11:15
